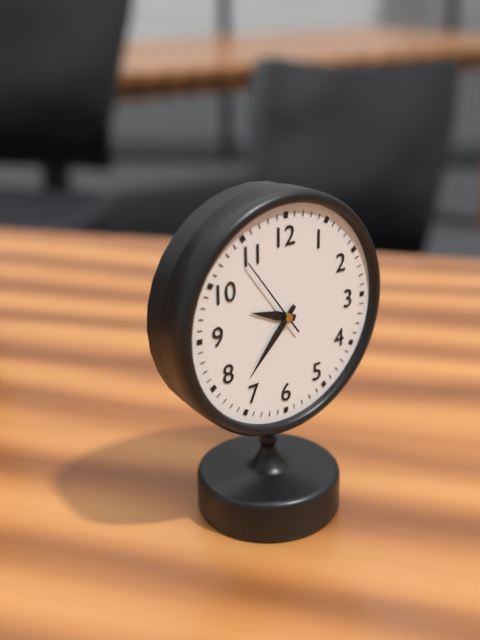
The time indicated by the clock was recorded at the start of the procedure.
9:37:54
